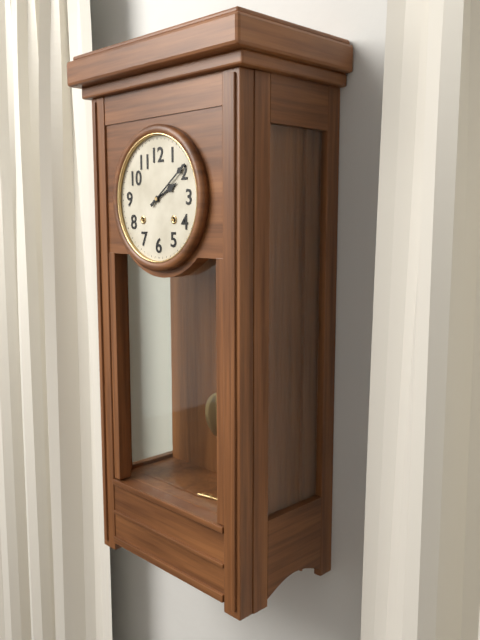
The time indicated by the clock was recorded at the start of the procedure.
2:09
